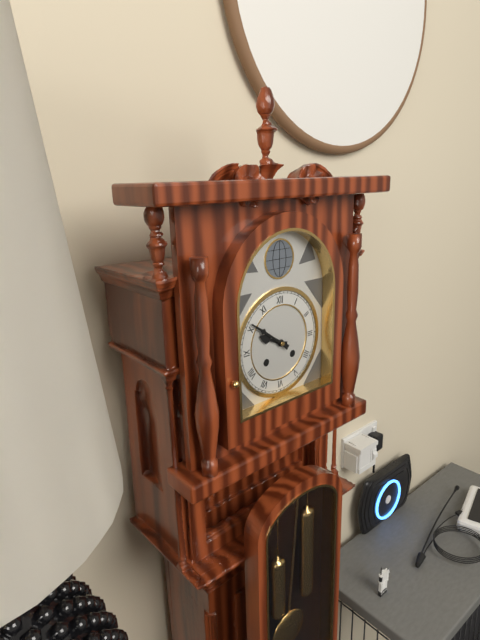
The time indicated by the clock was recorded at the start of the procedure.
9:51
